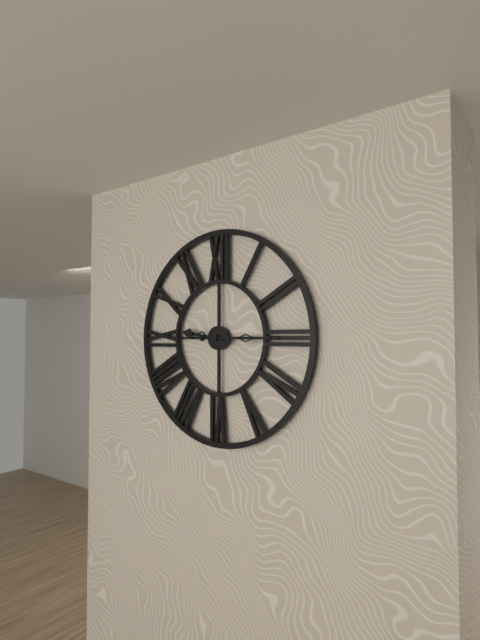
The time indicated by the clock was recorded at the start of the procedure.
9:15
